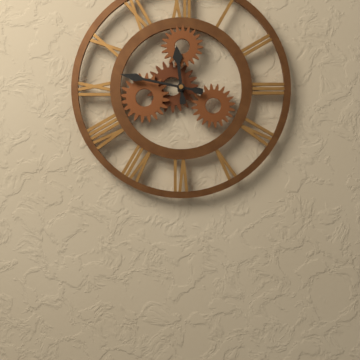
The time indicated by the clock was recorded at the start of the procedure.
11:47
